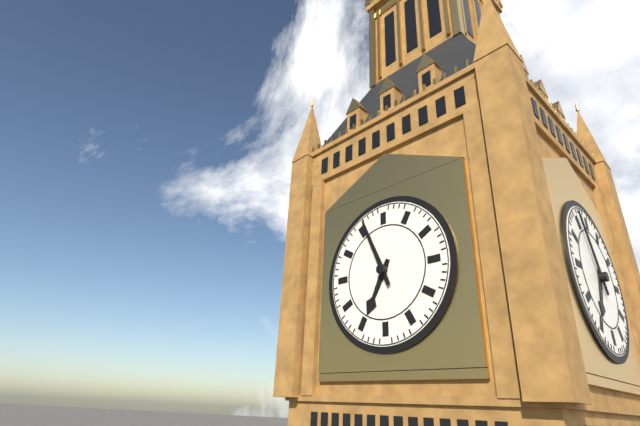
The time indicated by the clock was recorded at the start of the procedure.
6:56
